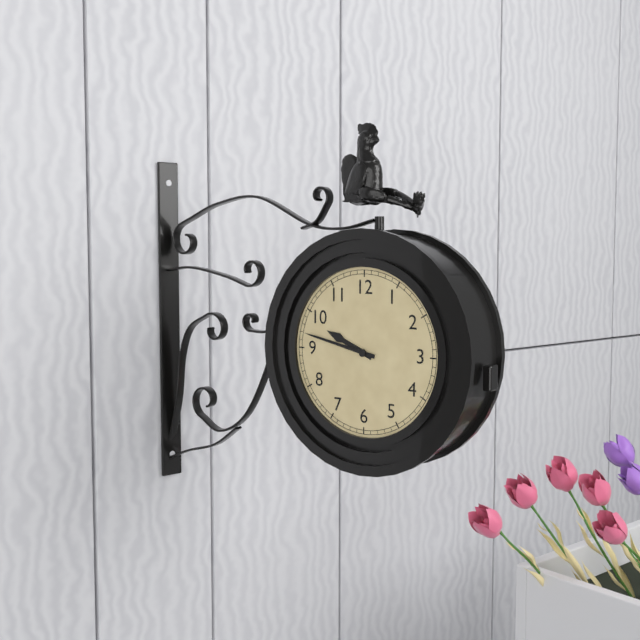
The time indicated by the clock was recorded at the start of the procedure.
9:47
